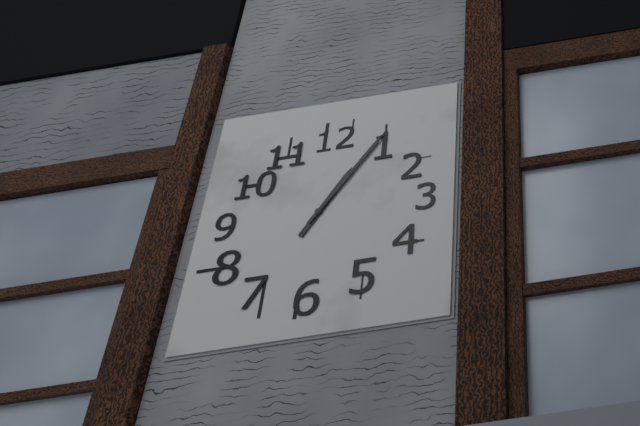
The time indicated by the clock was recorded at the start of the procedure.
1:06
